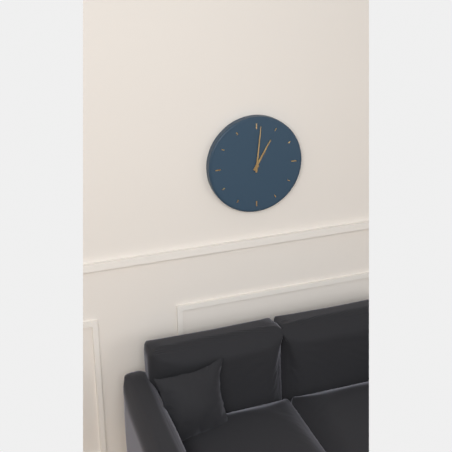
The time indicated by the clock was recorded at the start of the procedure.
1:01
